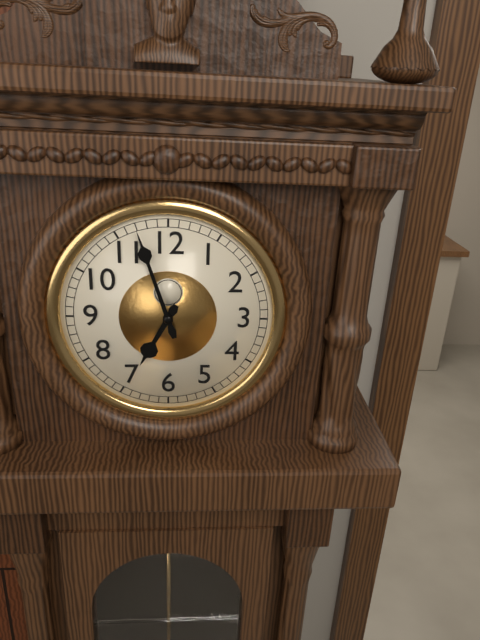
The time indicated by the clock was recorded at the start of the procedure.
6:57
